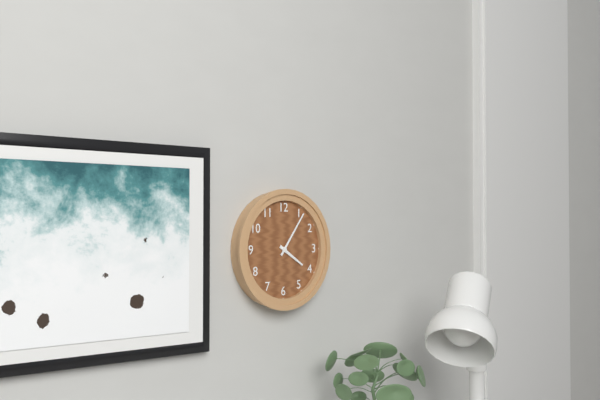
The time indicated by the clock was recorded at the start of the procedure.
4:06
